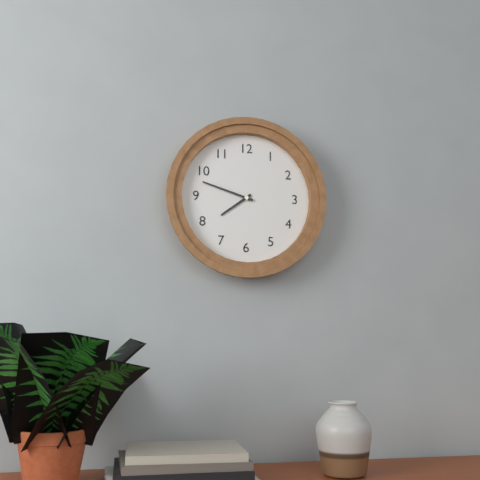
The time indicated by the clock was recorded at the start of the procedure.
7:48
